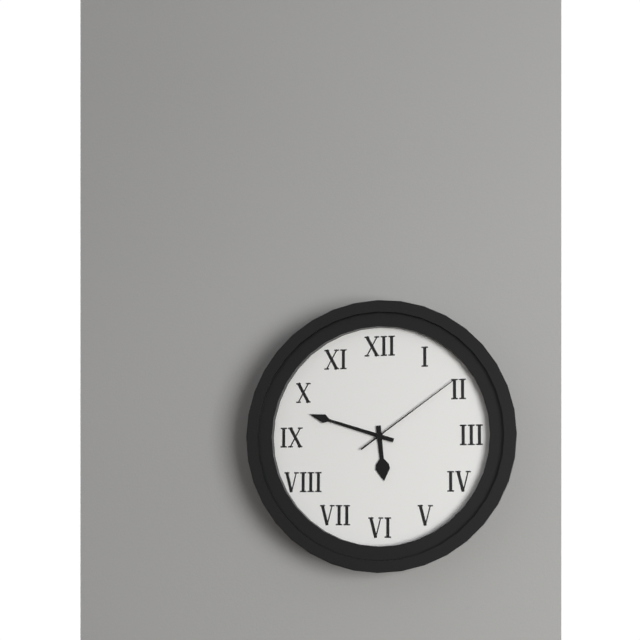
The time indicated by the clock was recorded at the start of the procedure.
5:48:09
